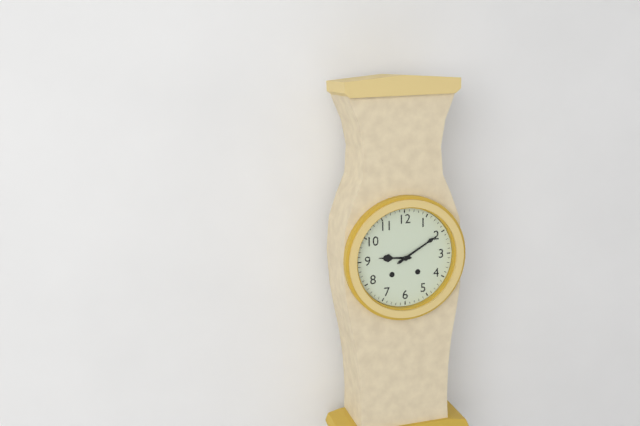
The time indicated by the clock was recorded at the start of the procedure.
9:10
